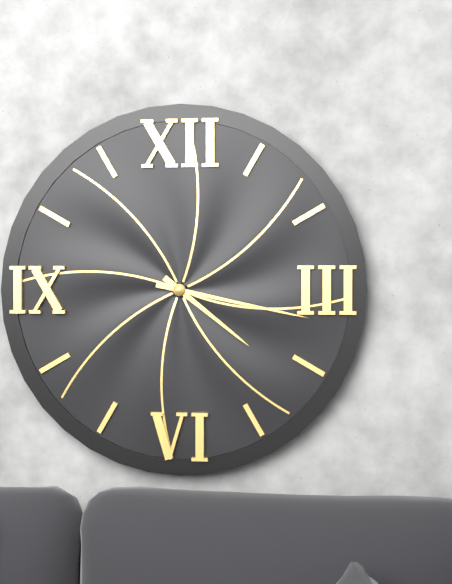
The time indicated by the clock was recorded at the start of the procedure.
4:17
